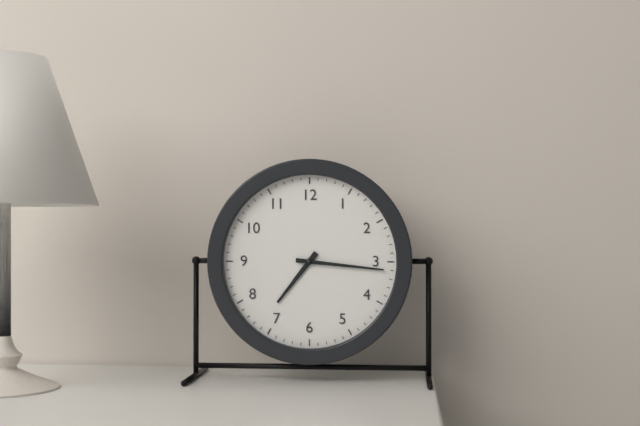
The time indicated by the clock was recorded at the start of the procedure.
7:16
